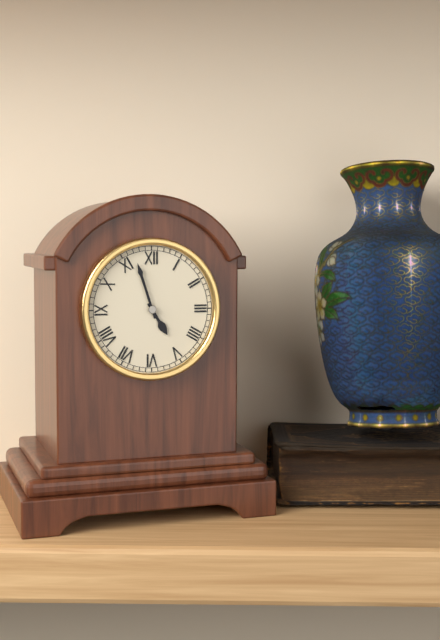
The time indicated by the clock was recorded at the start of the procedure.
4:57
